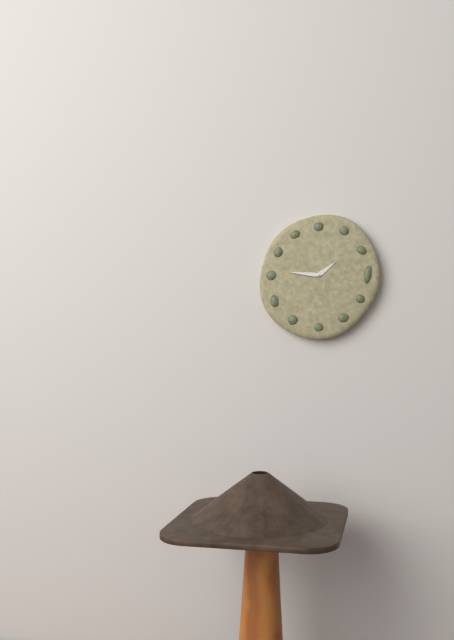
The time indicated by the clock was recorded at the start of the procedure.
1:46
